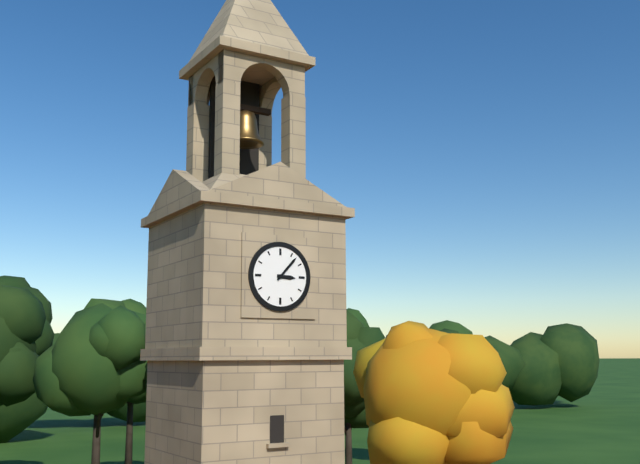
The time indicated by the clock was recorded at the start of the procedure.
3:07
